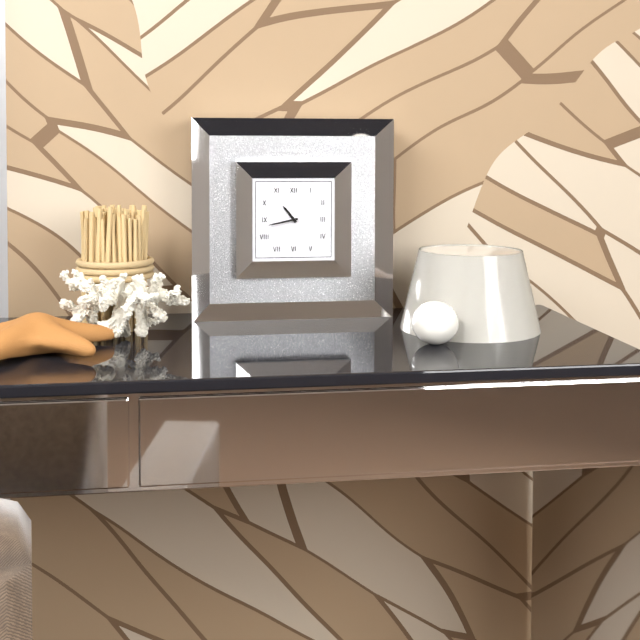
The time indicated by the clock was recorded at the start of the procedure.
10:43
